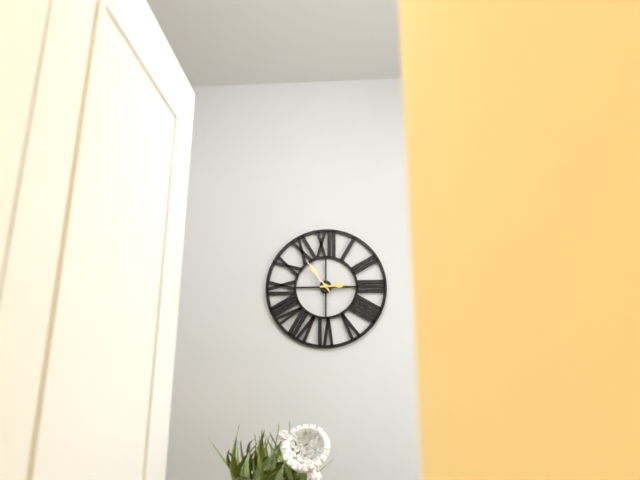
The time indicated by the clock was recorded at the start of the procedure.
2:54
